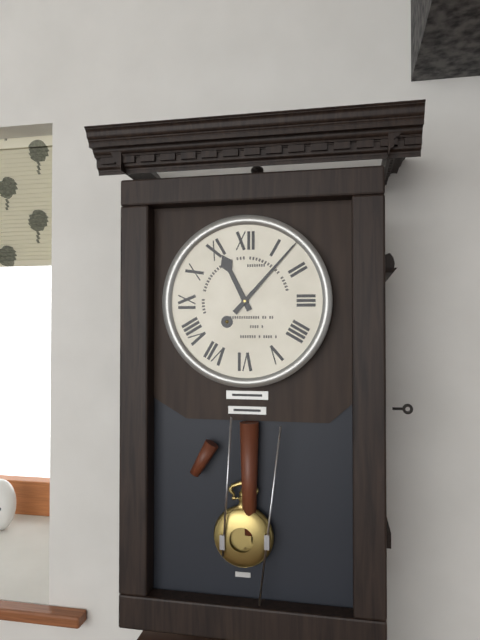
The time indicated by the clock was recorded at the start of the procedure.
11:07
